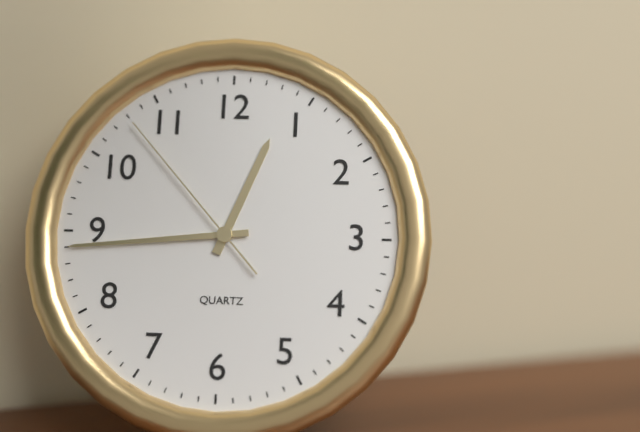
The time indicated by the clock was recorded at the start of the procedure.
12:44:53
